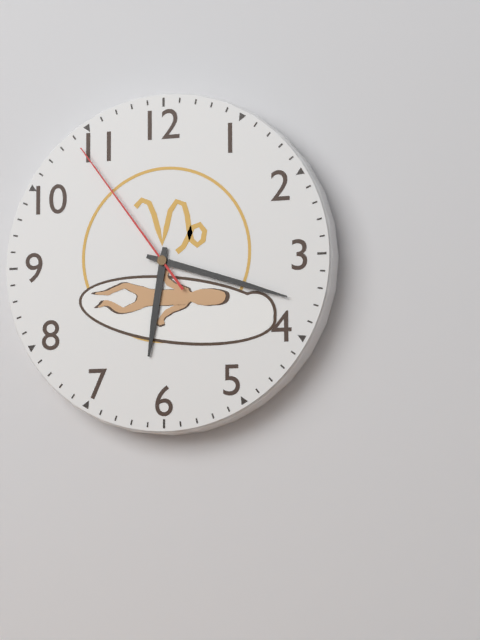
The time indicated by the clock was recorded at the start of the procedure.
6:18:54
